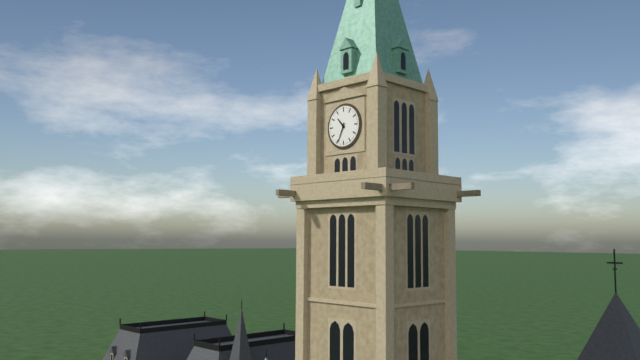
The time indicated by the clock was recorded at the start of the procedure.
10:34
